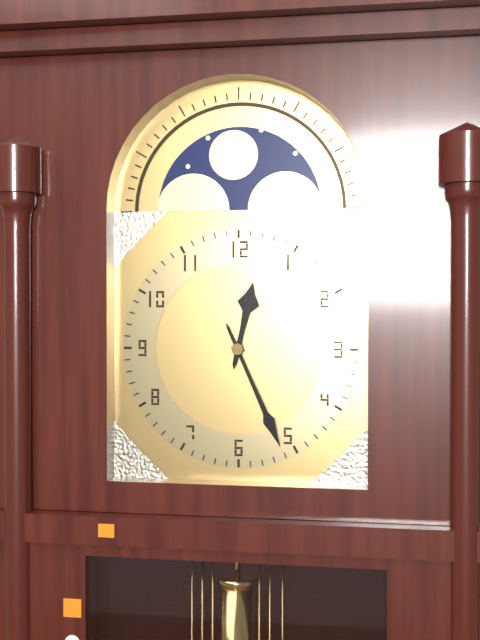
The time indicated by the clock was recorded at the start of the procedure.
12:26
